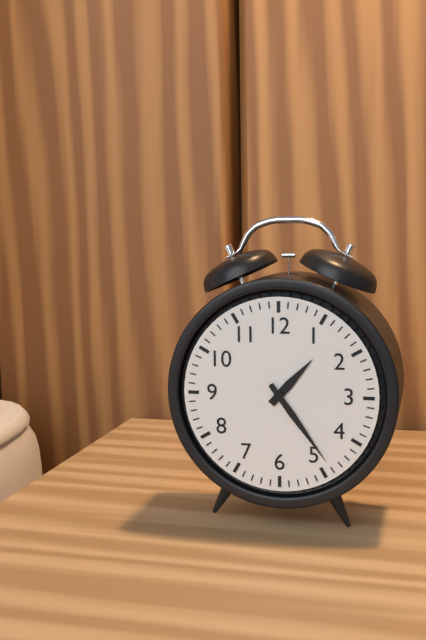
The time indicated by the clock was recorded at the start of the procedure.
1:24
